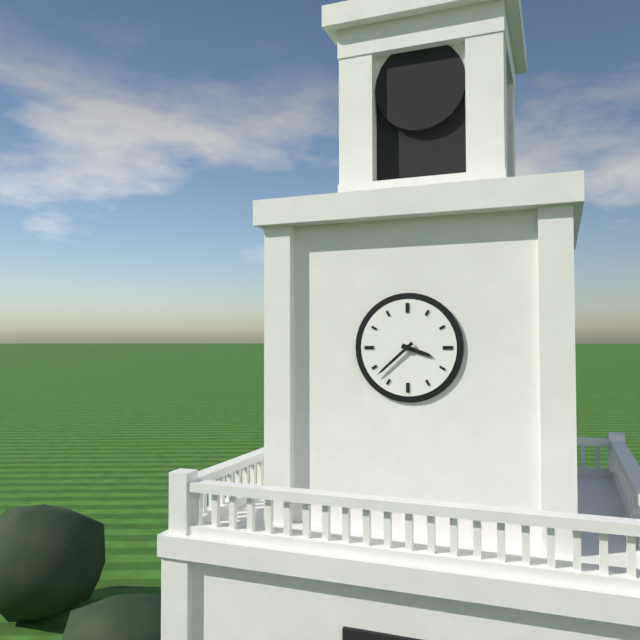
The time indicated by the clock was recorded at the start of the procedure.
3:38
